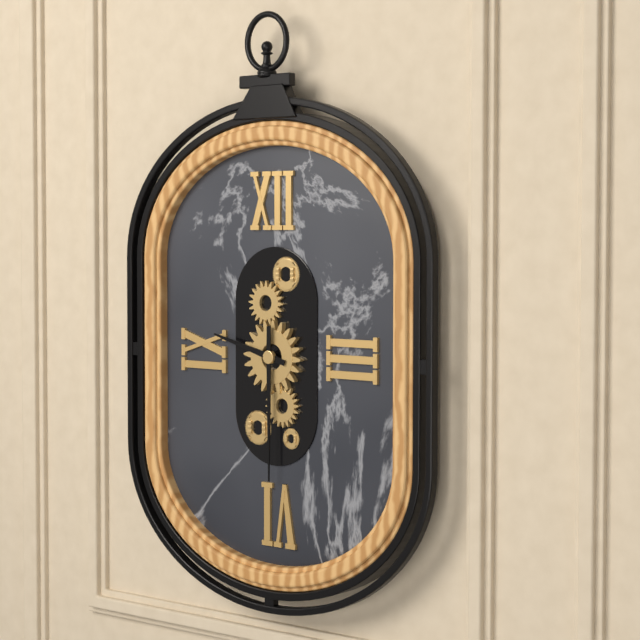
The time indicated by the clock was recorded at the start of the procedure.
9:30
